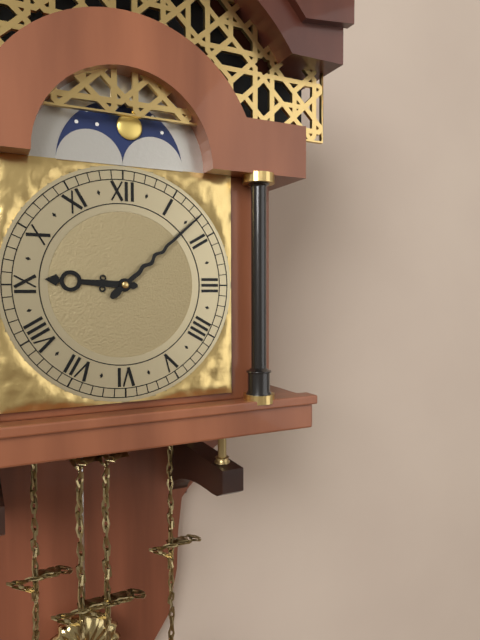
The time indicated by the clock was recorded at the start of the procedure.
9:08
